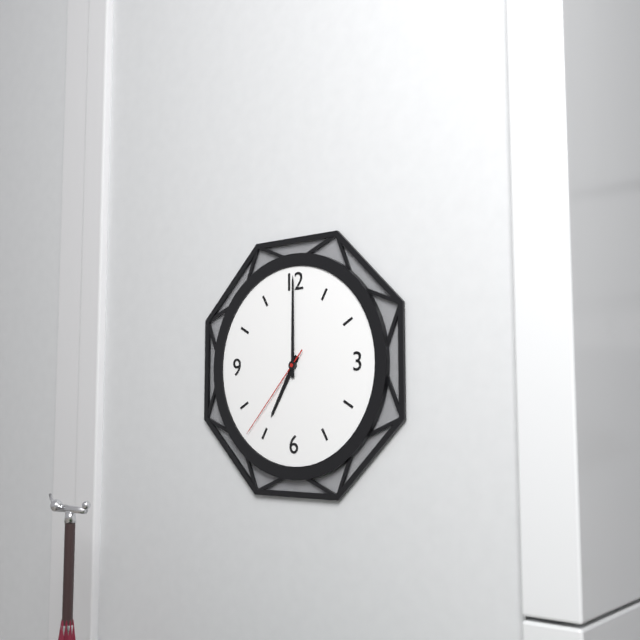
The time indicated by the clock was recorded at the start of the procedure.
7:00:37
